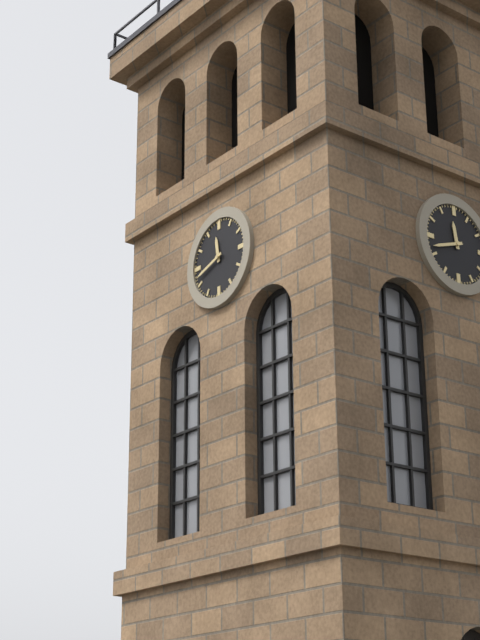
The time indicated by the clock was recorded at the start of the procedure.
11:42
